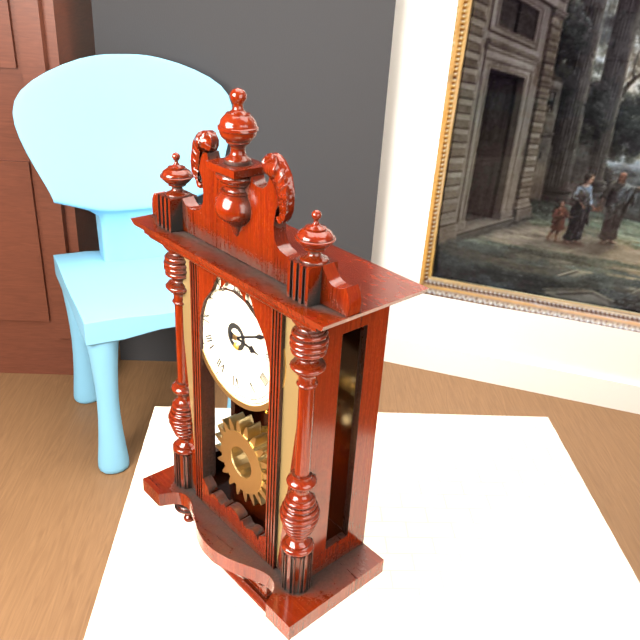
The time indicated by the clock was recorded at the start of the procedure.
3:11
